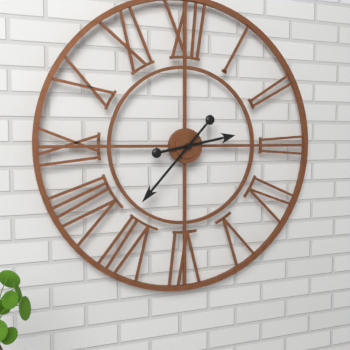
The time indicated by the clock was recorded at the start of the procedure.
2:37
